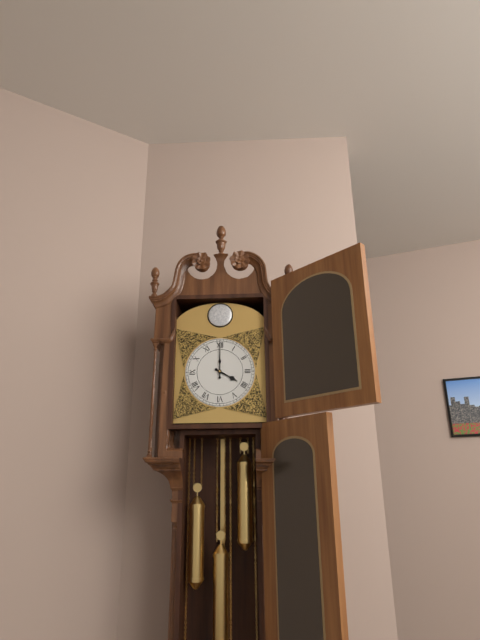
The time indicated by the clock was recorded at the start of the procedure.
4:00
